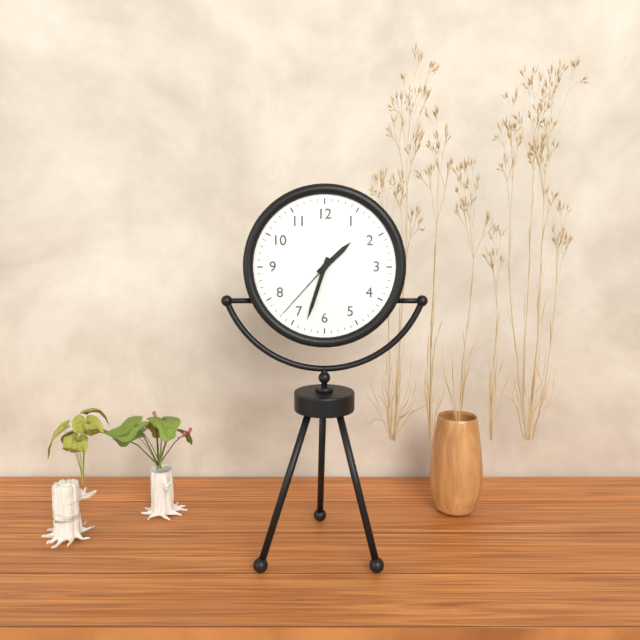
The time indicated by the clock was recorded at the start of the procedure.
1:33:37
